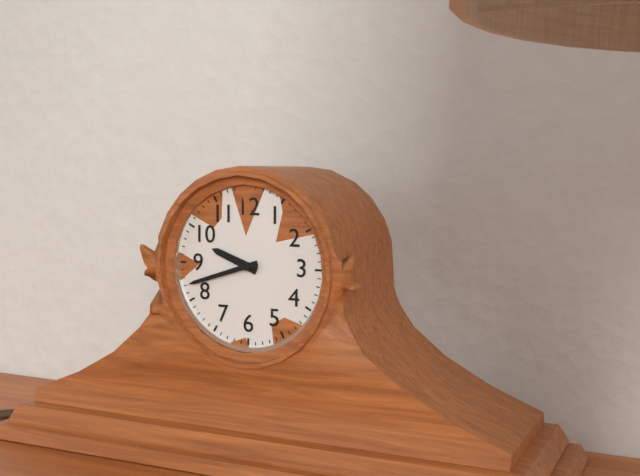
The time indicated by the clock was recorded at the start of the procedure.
9:42
